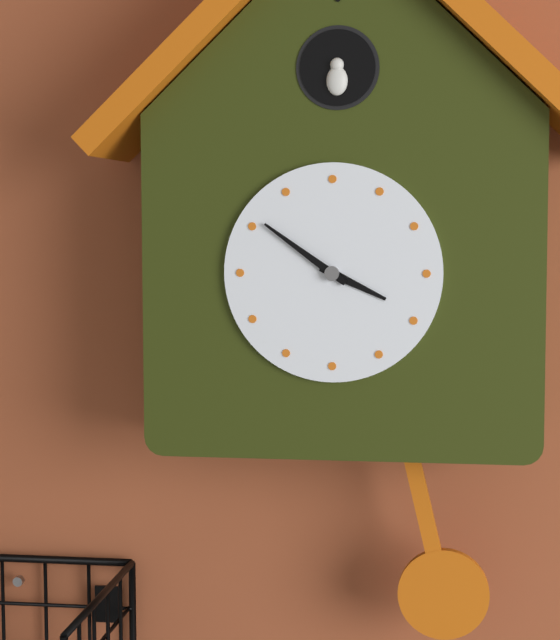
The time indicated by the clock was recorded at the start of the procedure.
3:51
